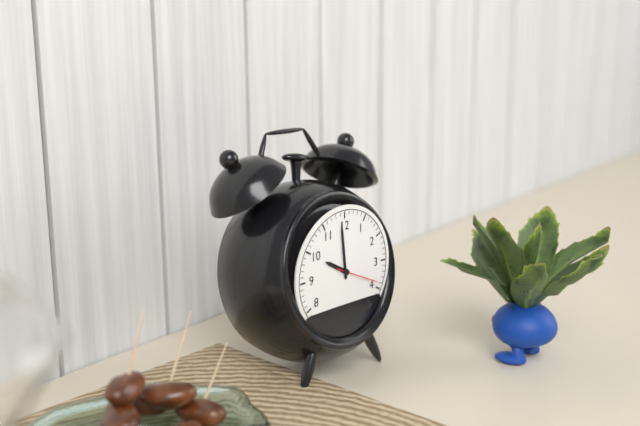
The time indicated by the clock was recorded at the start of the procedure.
9:59
